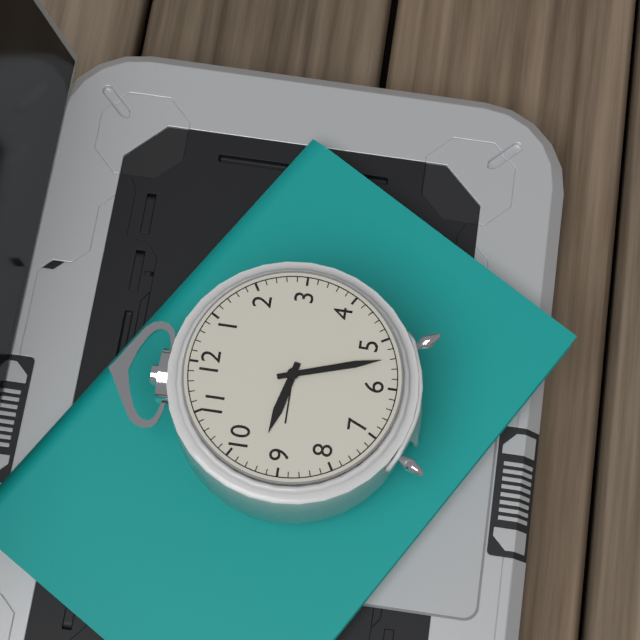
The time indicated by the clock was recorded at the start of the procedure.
9:27
